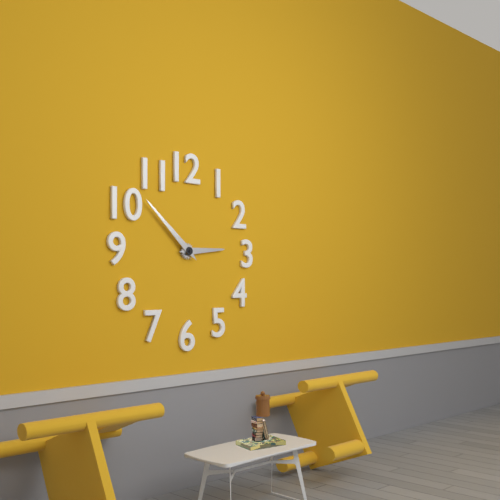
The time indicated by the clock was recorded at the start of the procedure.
2:52
